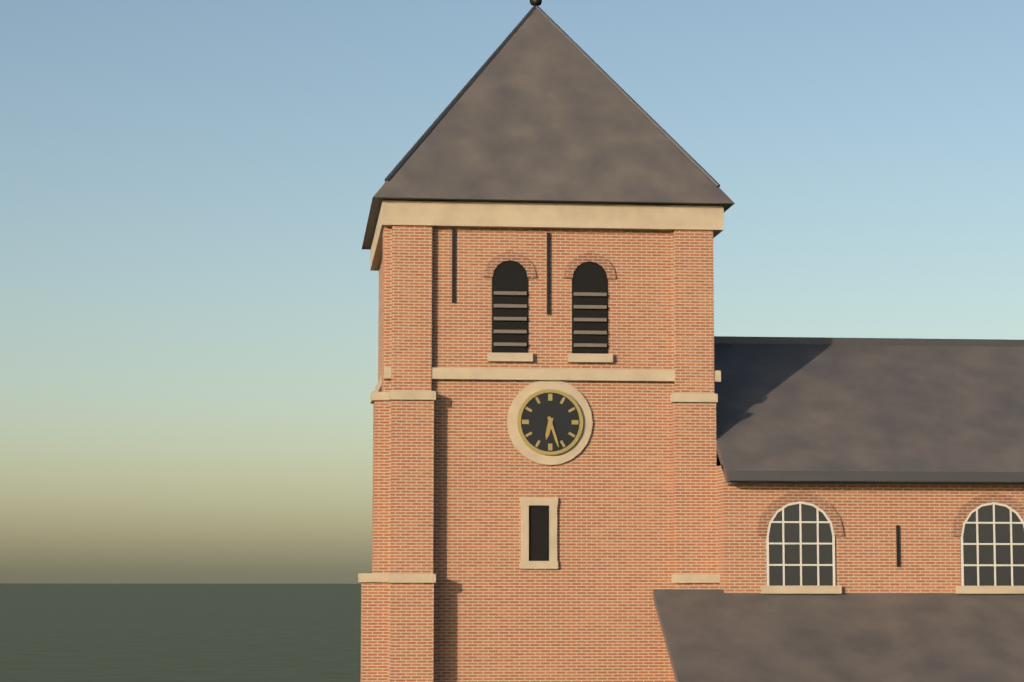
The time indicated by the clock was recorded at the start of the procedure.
6:27
